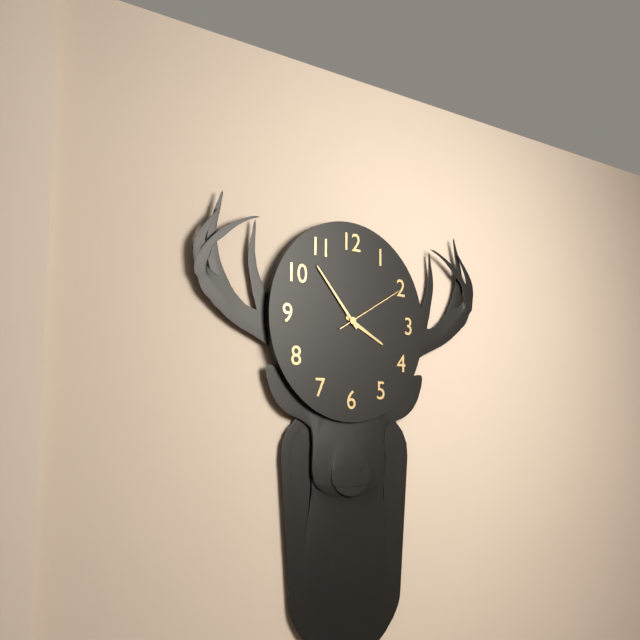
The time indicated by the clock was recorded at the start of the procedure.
3:53:10
